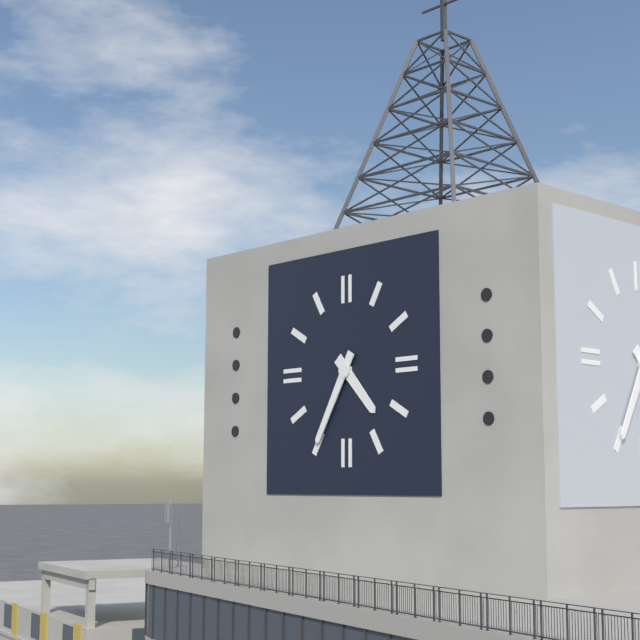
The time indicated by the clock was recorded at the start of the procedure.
4:35
